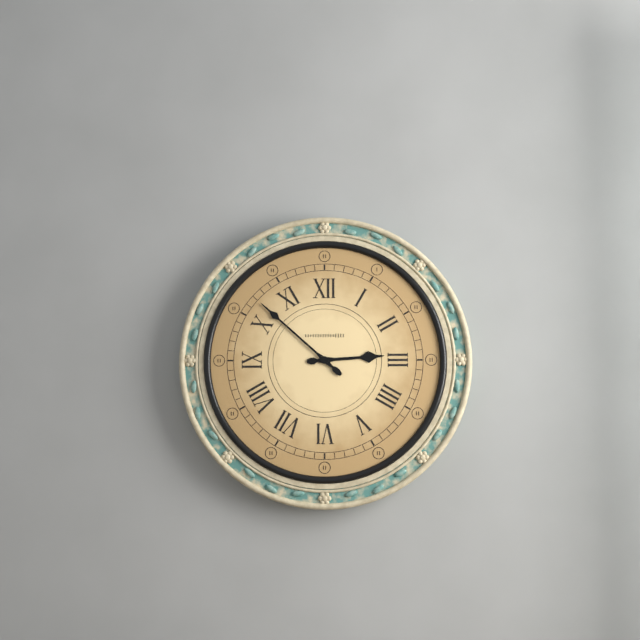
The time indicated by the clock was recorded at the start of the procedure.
2:52
